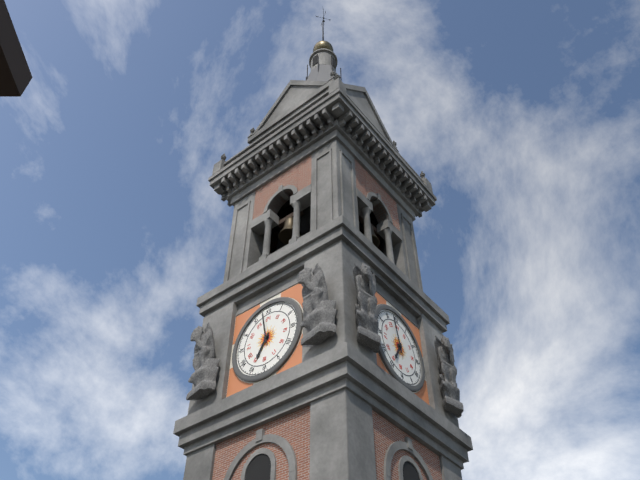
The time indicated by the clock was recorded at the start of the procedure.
6:58
